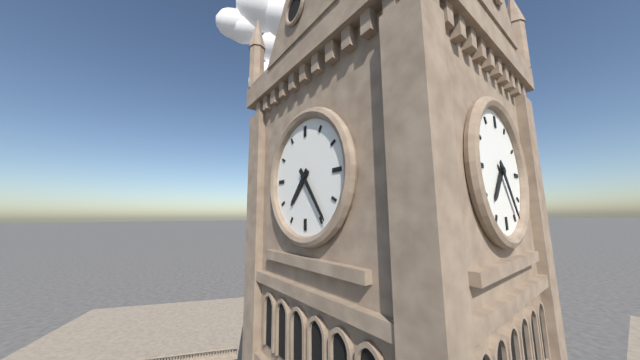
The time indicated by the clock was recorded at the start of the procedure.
7:24
